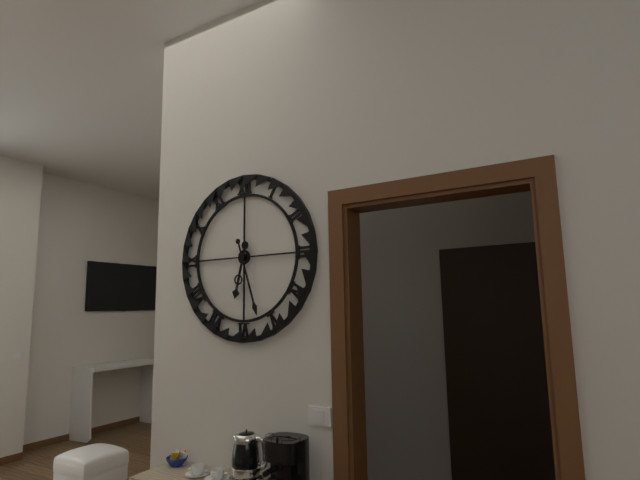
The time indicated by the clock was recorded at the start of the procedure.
6:27
